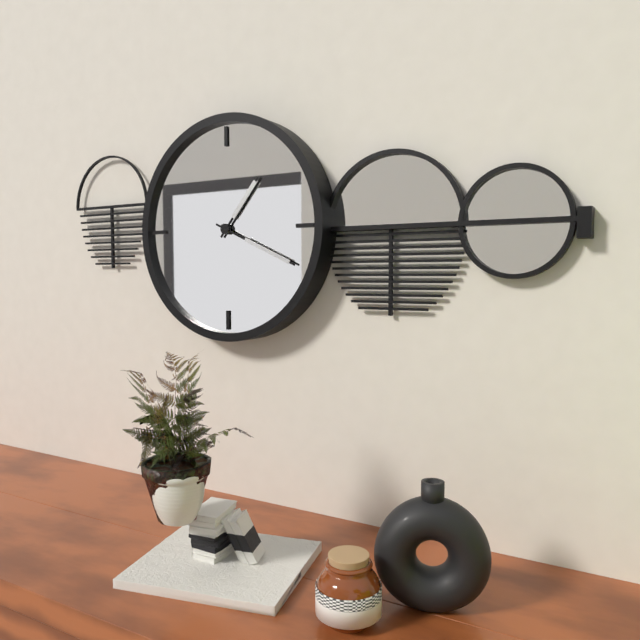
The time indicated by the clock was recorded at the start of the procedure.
1:19
